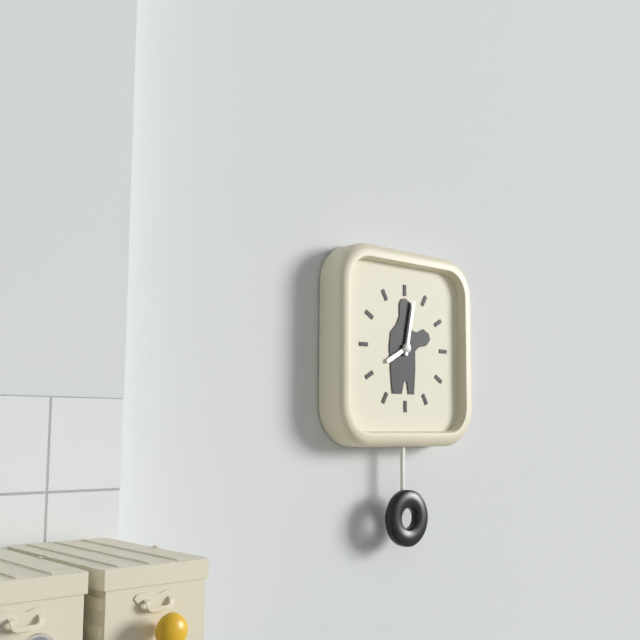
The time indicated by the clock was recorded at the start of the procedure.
8:02
